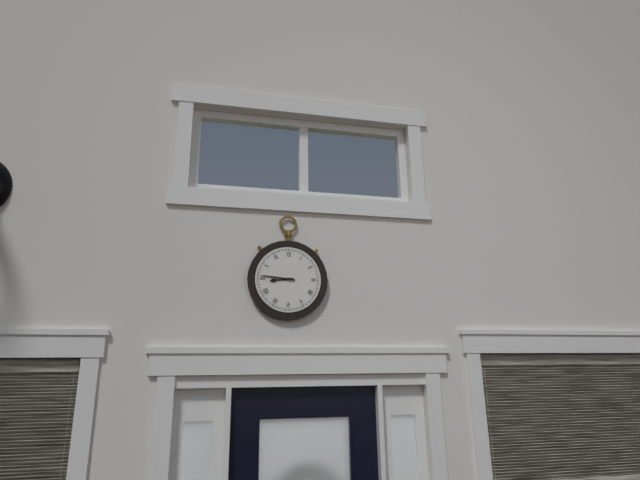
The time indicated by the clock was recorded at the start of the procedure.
8:46
